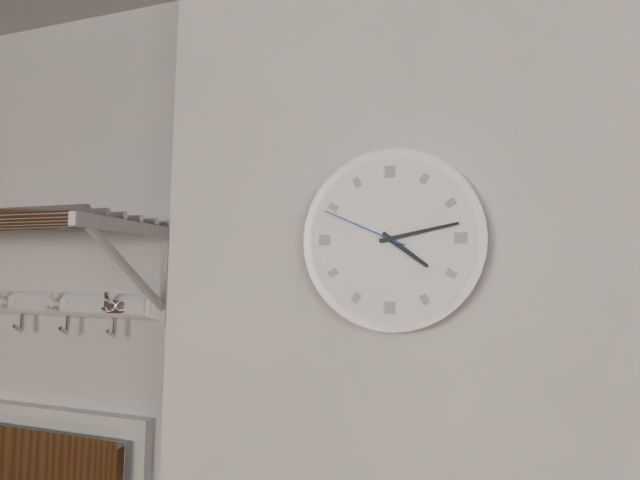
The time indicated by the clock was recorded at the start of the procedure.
4:13:49
